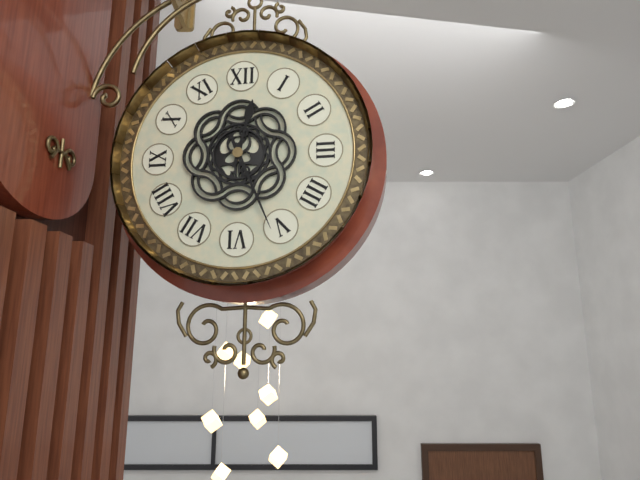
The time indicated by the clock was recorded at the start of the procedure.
12:26
